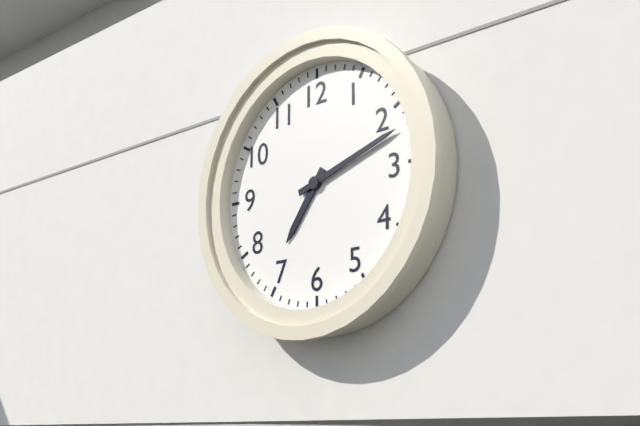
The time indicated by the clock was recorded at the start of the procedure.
7:12
